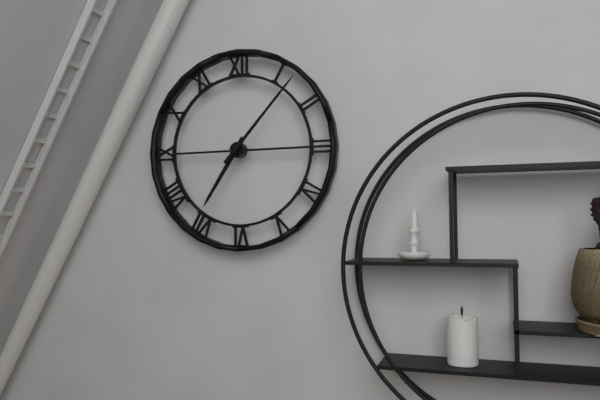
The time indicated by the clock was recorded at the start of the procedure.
7:07
